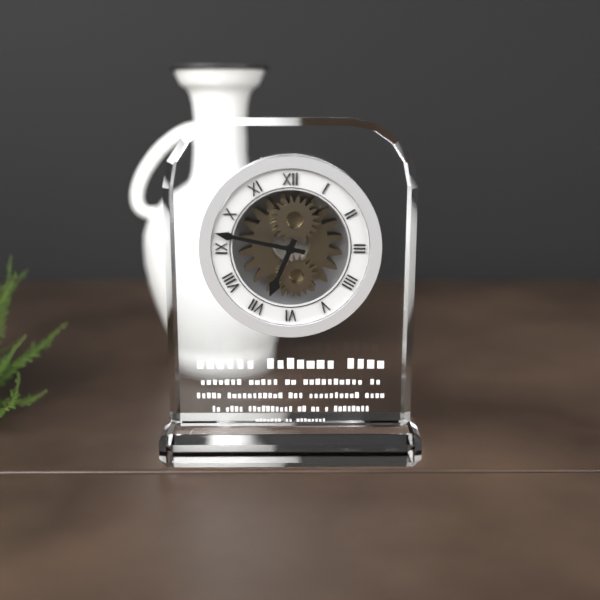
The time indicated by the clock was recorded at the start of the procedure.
6:47
